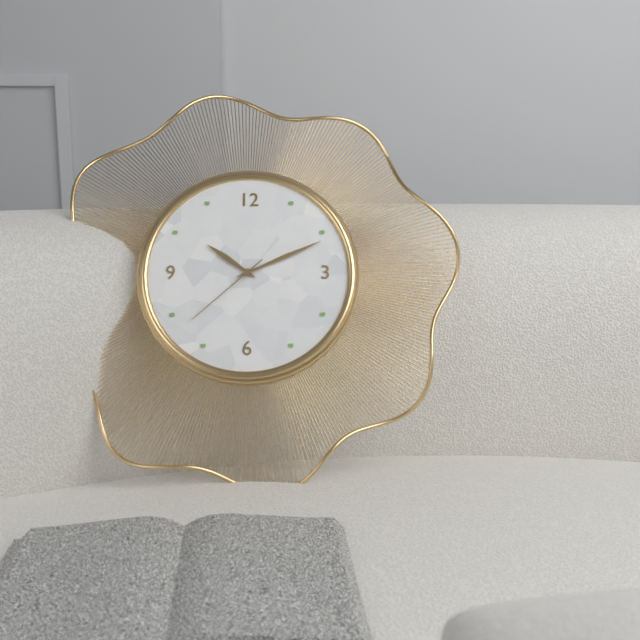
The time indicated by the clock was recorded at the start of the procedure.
10:11:38
